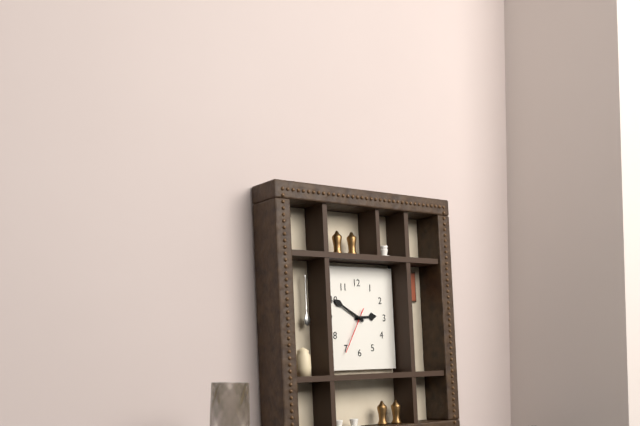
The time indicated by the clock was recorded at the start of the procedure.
2:50
